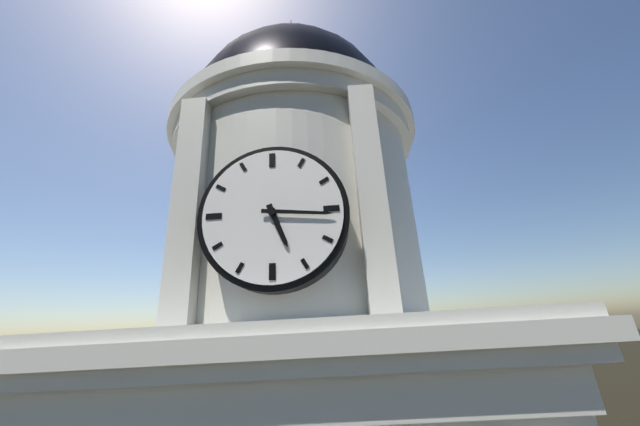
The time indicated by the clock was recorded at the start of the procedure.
5:16
